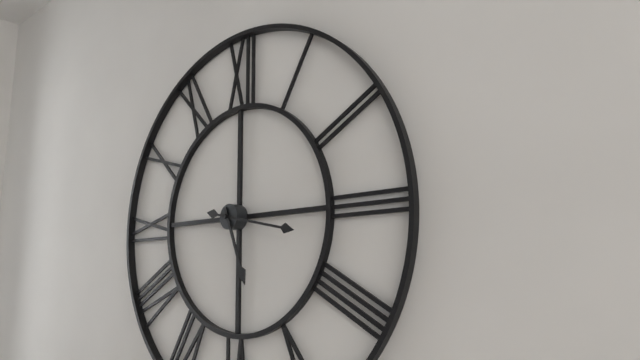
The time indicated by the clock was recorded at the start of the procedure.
5:17
